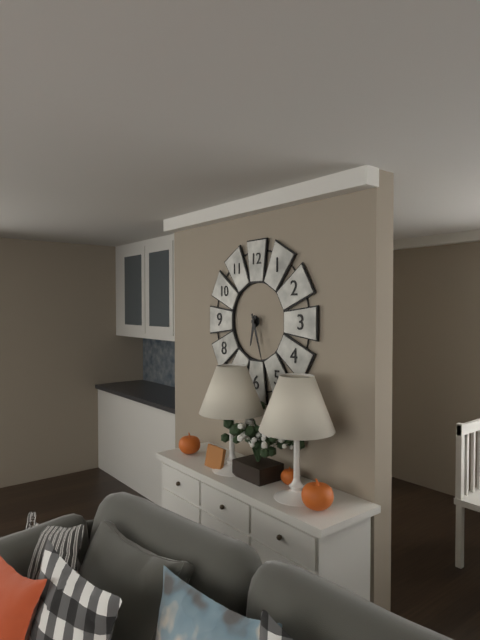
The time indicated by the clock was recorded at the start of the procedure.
6:27
